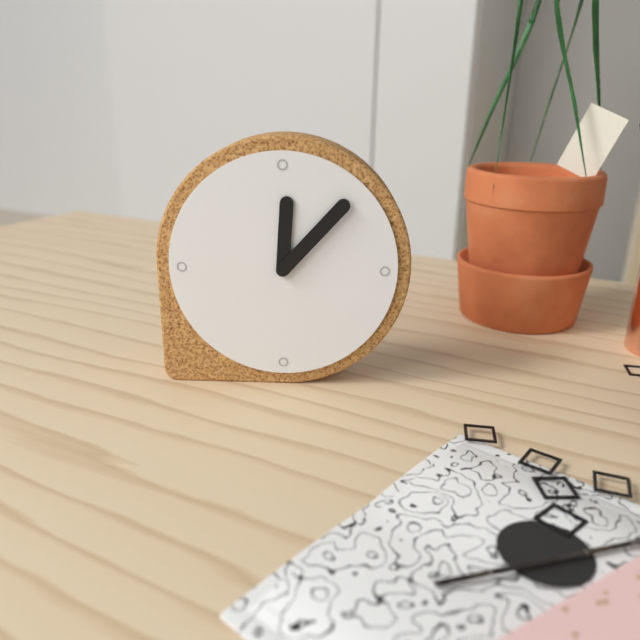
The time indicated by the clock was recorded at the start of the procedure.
12:07
